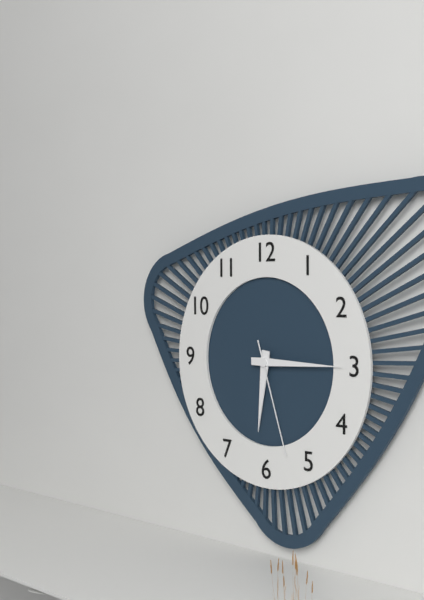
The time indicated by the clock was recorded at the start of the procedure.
6:15:27
